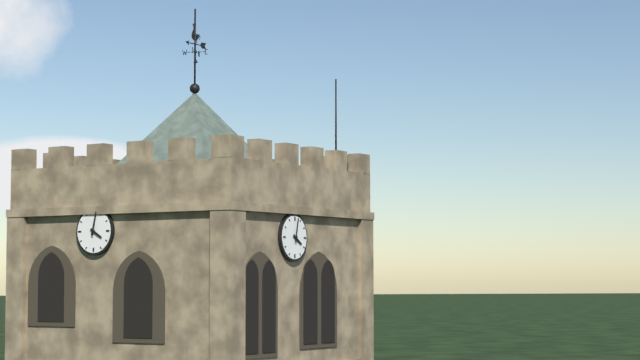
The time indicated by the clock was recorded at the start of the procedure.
4:02
